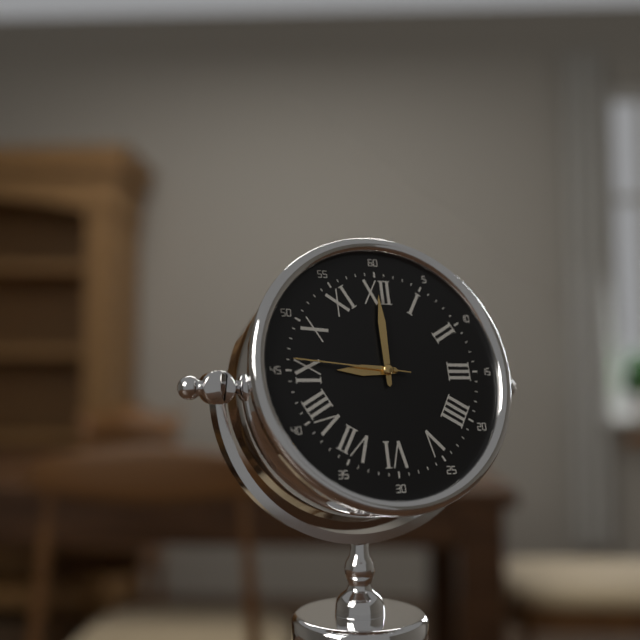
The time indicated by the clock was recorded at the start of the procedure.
9:00:46
